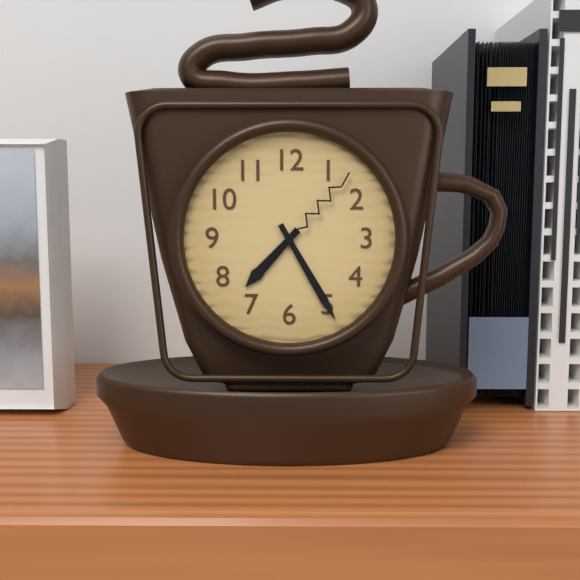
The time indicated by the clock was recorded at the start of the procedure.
7:25:07
